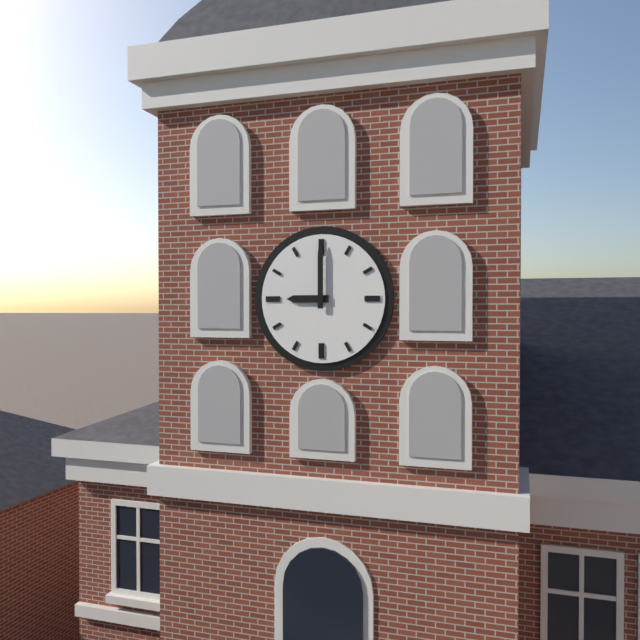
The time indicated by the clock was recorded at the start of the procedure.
9:00
